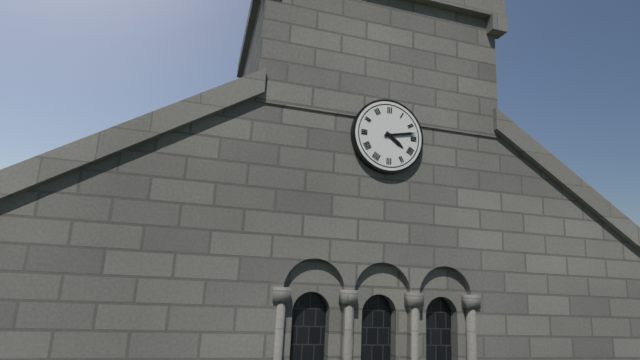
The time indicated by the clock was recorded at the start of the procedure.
4:13
